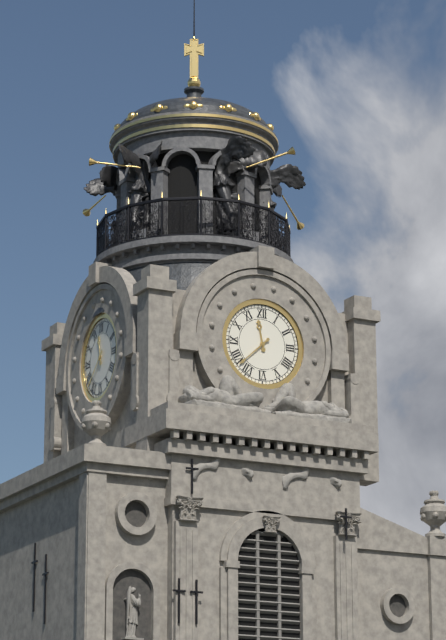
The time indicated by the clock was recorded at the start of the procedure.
11:38
